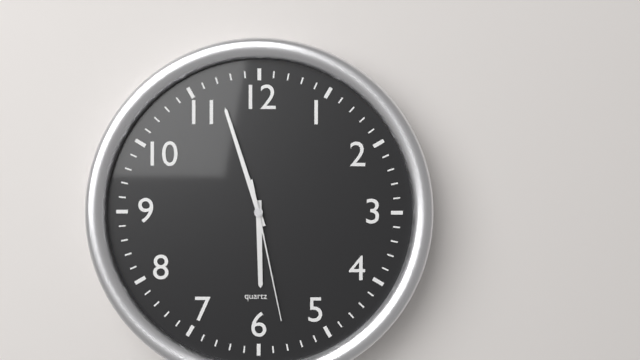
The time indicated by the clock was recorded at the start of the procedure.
5:57:28
